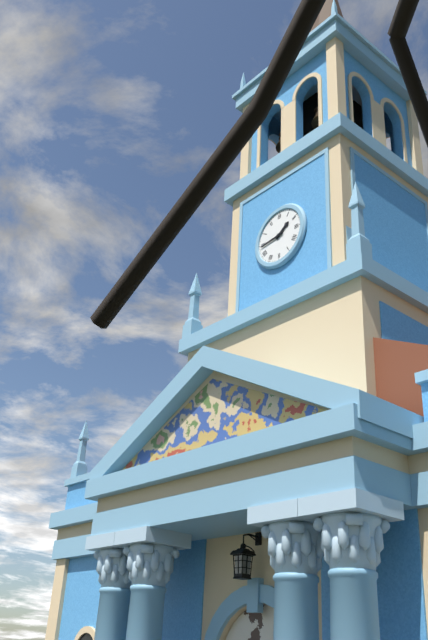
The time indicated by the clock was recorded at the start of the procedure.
1:44
